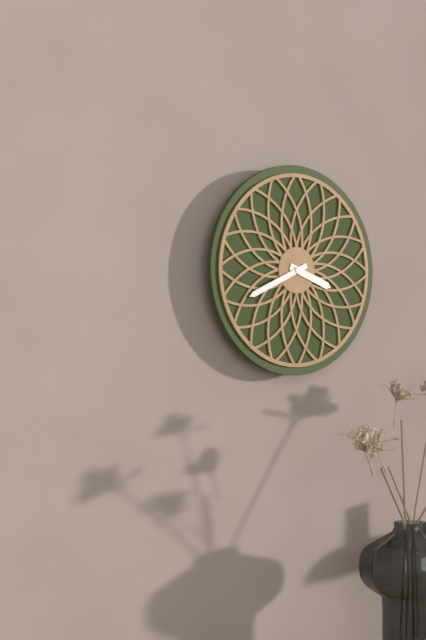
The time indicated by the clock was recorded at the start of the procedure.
3:41
